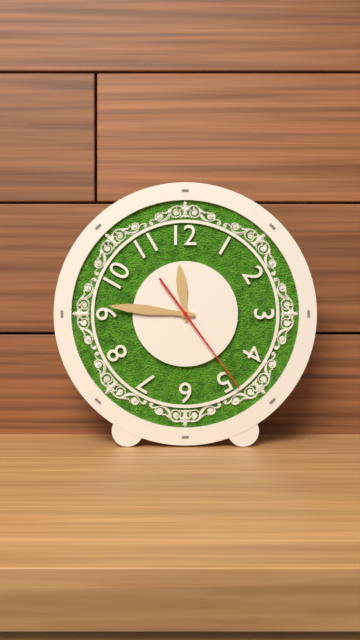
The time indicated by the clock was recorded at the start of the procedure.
11:46:24
